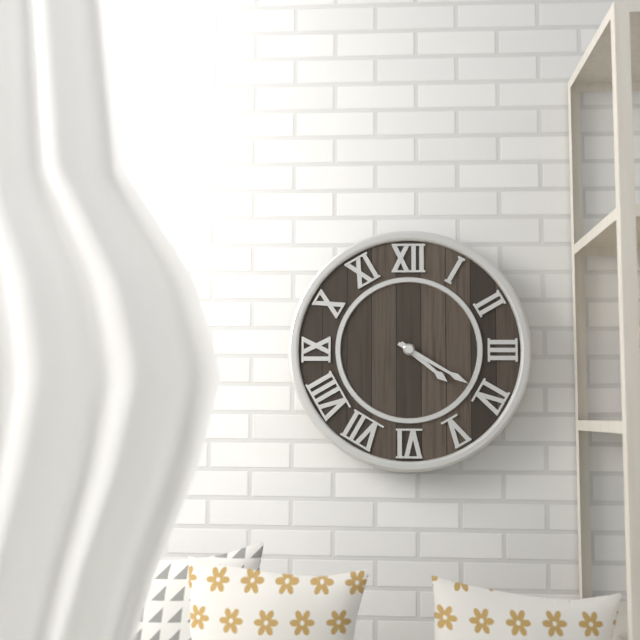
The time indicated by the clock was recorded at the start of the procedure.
4:20
